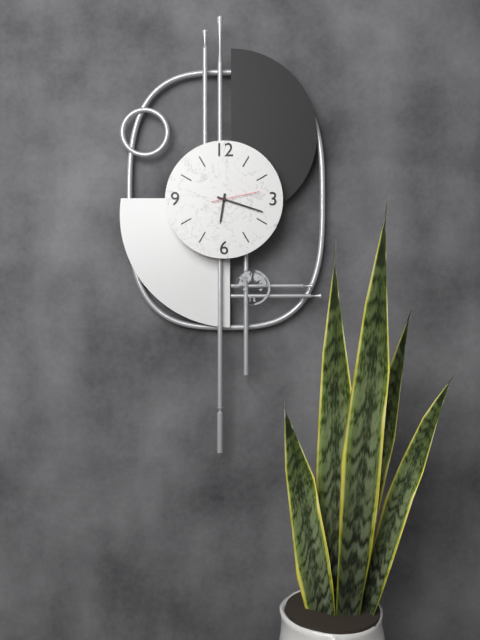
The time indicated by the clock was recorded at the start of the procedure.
6:18
